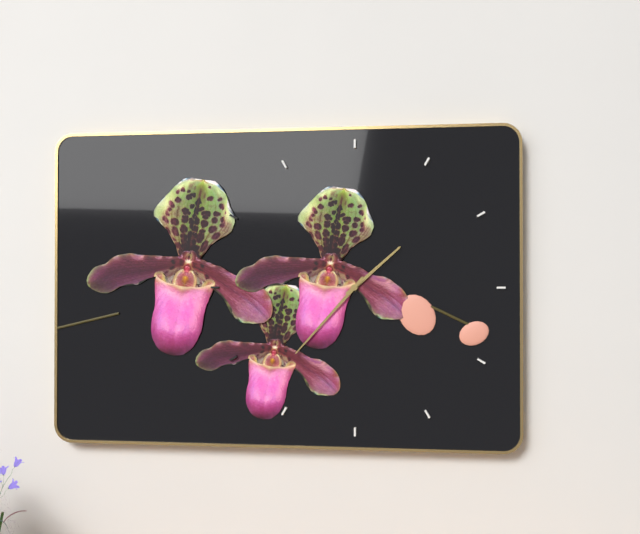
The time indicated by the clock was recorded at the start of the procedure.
1:37
